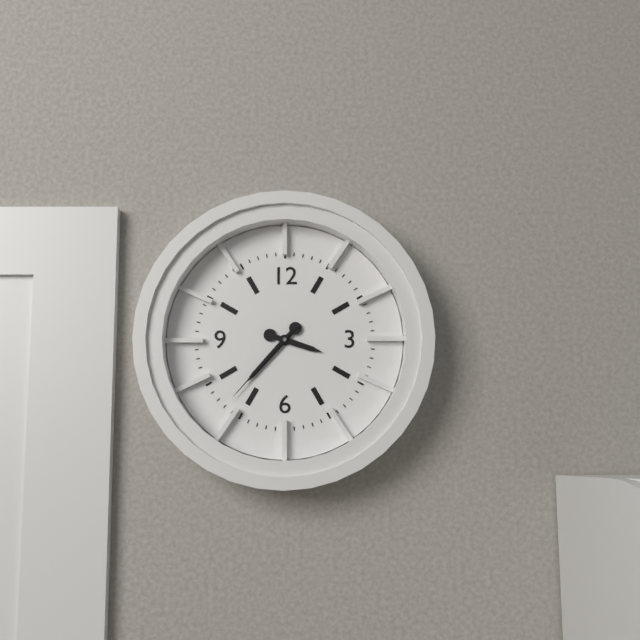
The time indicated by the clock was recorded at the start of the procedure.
3:37:37
